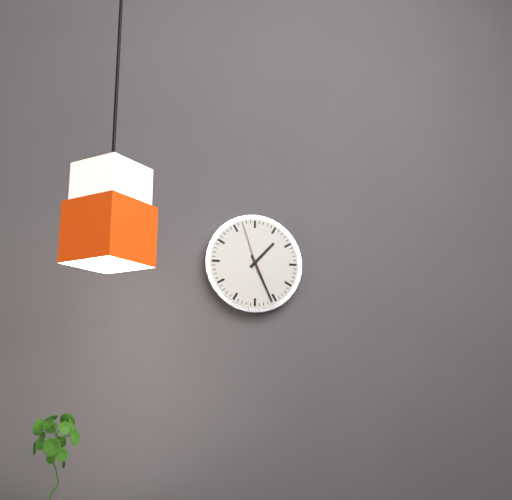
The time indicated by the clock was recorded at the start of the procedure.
1:26
